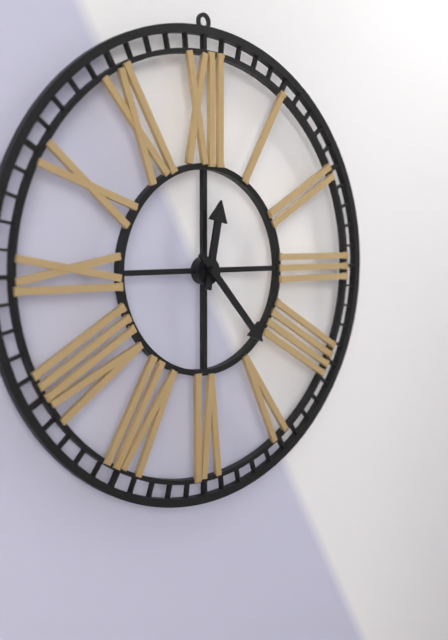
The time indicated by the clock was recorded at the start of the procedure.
12:23
